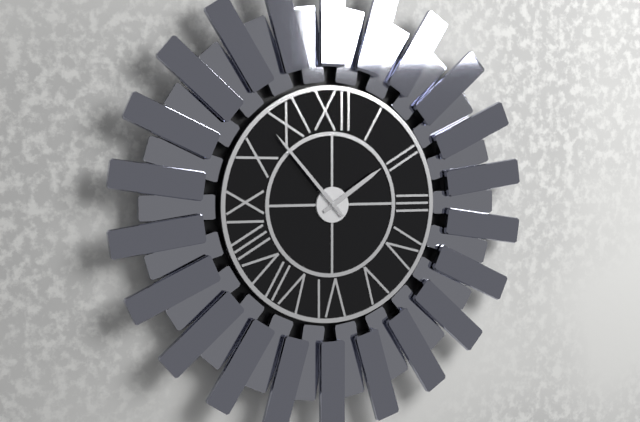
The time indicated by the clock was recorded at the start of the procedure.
1:53
